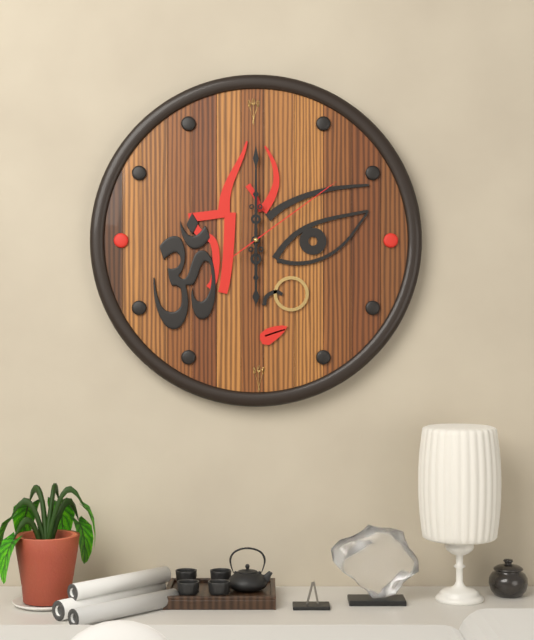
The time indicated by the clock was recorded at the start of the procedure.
6:00:09
